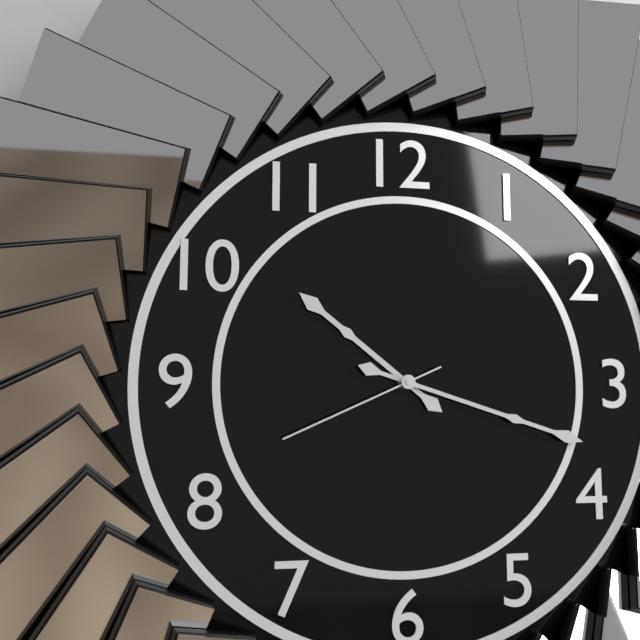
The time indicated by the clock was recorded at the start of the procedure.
10:18:41
